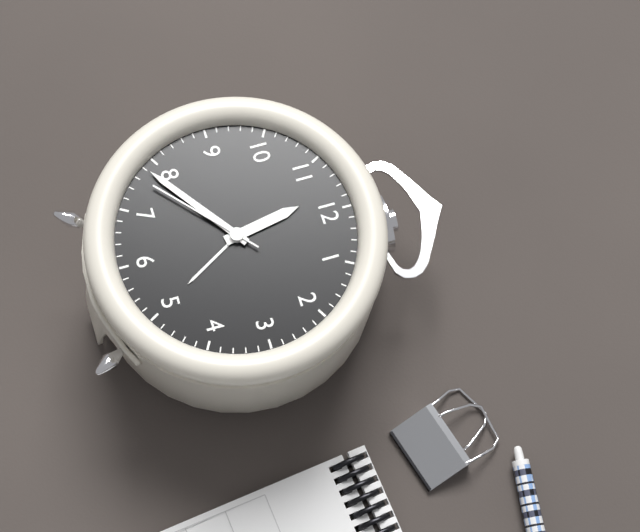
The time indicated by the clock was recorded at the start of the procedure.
11:39:38
